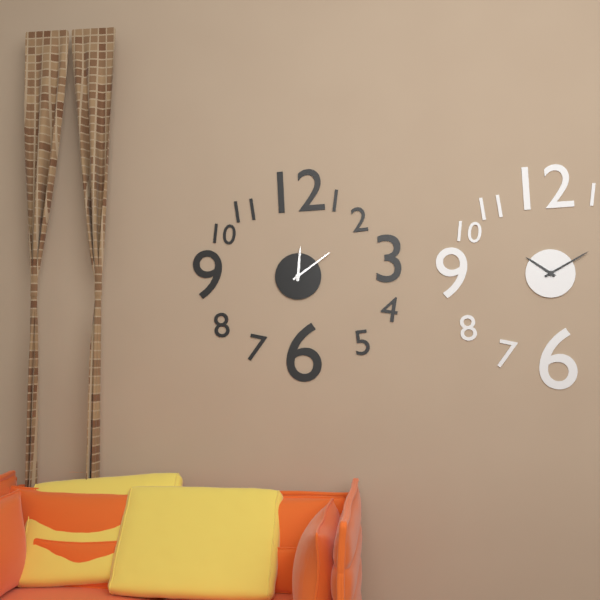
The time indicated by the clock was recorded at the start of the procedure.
12:09
